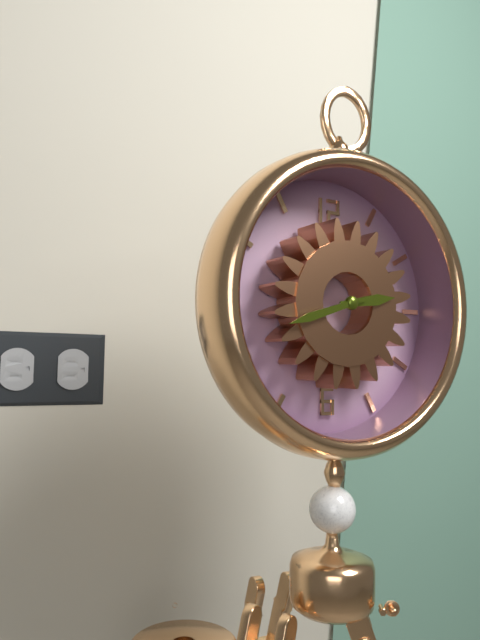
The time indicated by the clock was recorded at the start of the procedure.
2:42
